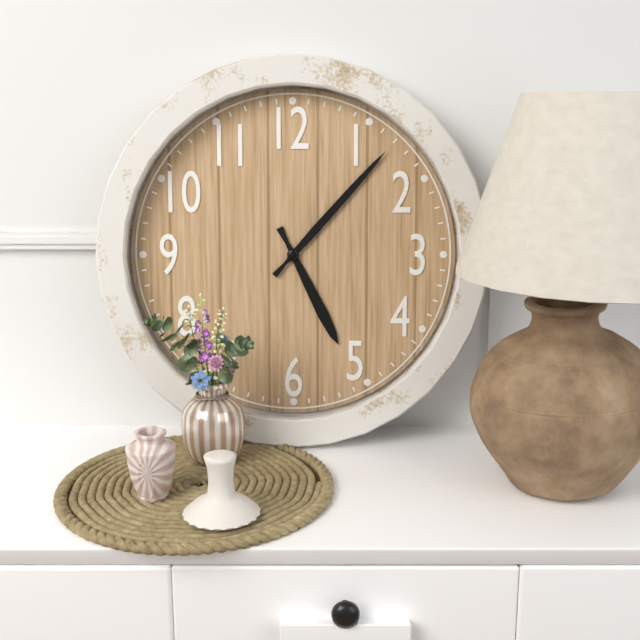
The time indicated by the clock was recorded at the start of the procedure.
5:07
